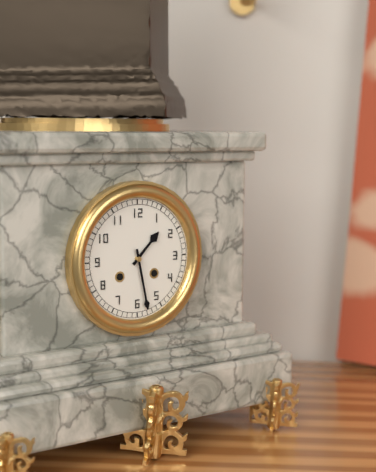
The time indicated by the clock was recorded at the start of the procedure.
1:28
